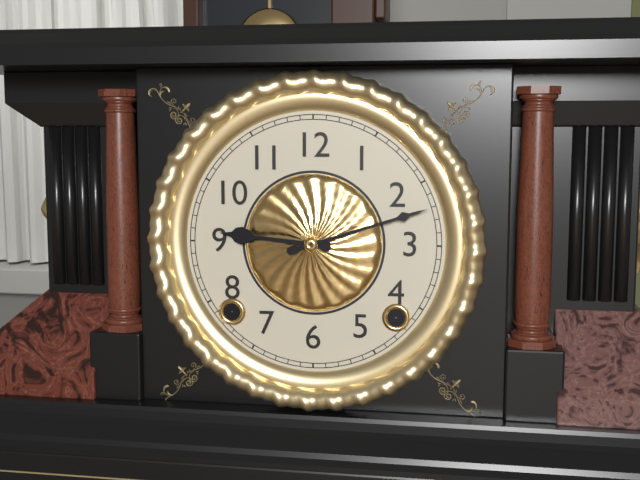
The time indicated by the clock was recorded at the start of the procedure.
9:12
